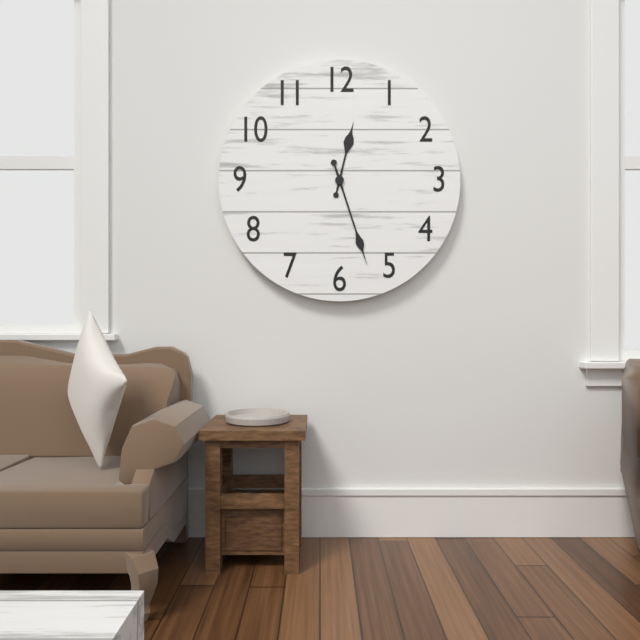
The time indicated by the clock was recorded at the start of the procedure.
12:27
